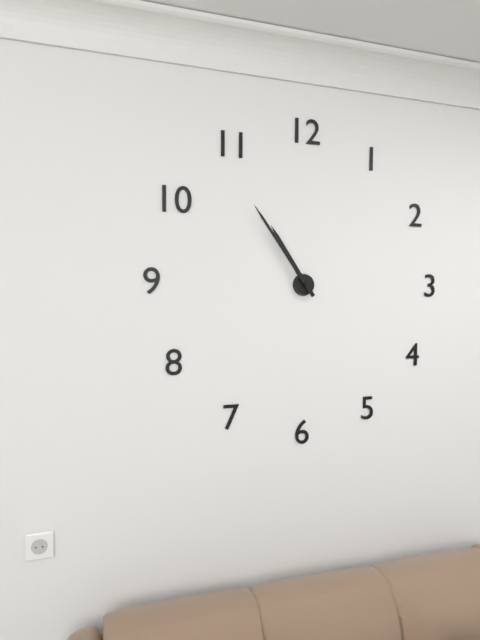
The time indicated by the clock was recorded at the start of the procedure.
10:54
